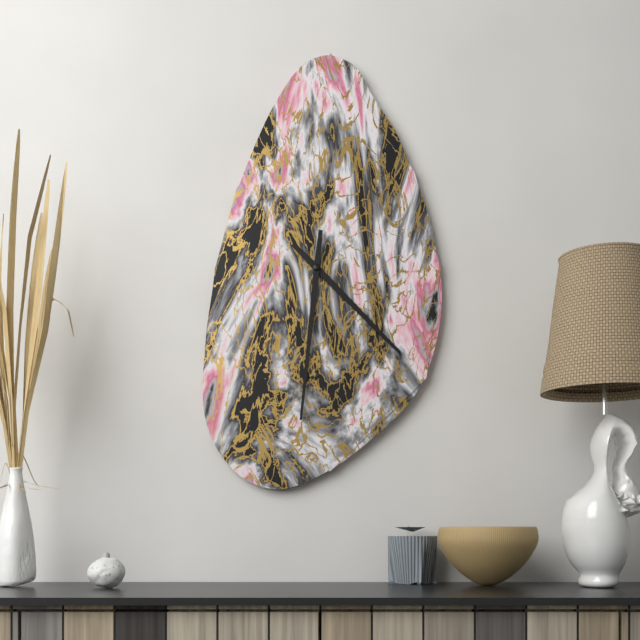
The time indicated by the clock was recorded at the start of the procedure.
4:31
